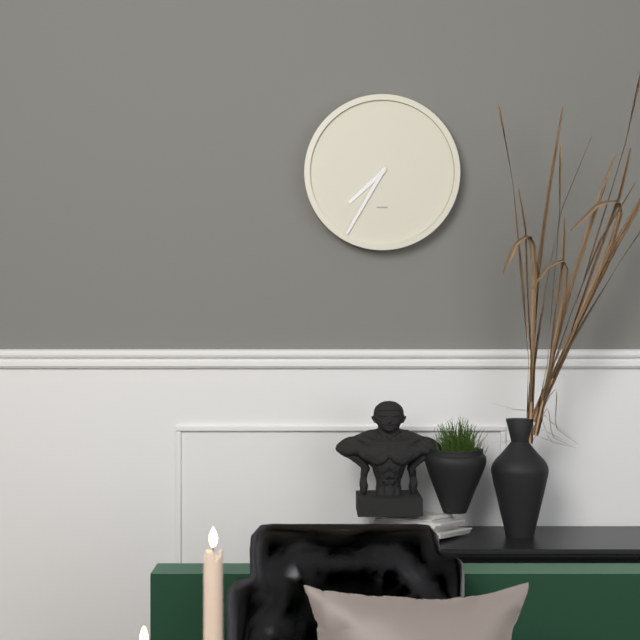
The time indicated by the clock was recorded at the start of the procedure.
7:35
